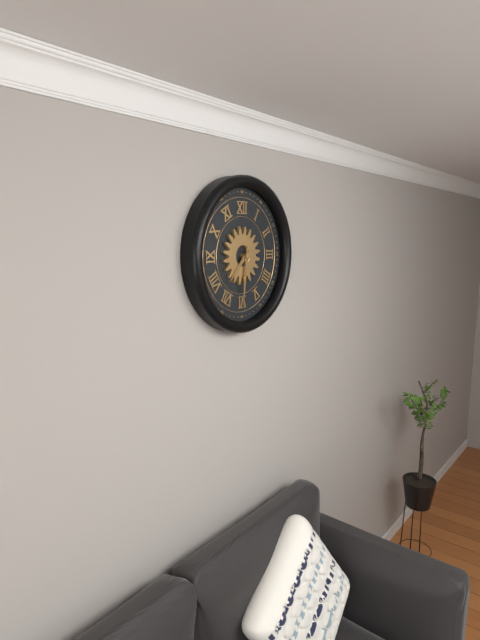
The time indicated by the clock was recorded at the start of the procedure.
7:31
